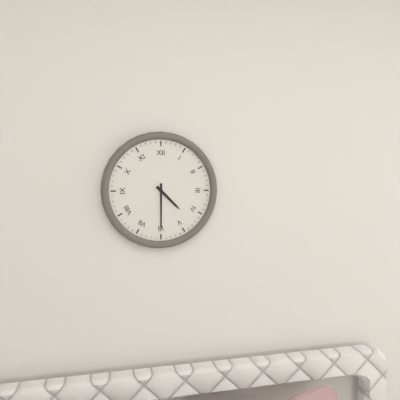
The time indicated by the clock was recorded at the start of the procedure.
4:30
